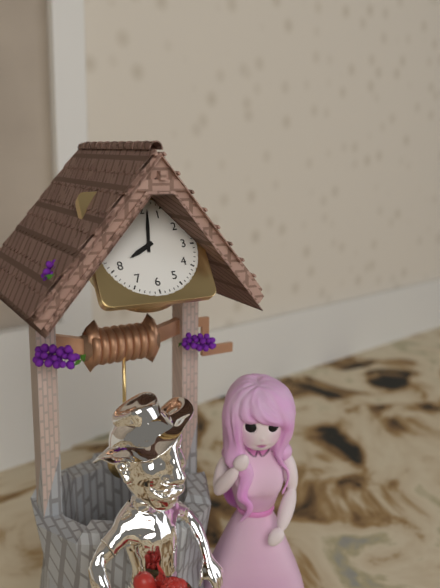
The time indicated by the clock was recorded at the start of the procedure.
8:02
